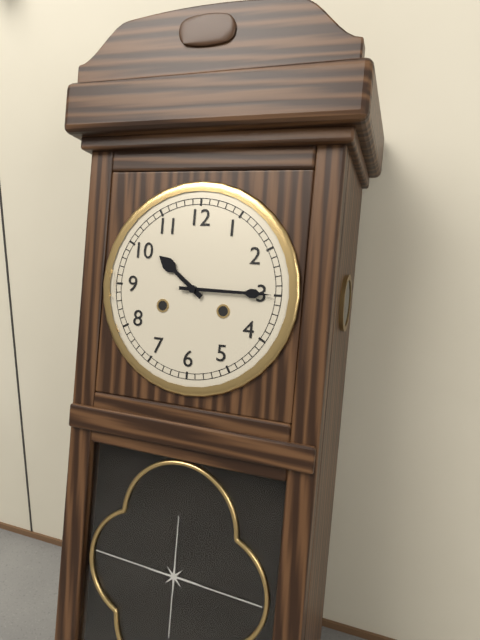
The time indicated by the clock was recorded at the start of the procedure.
10:15
